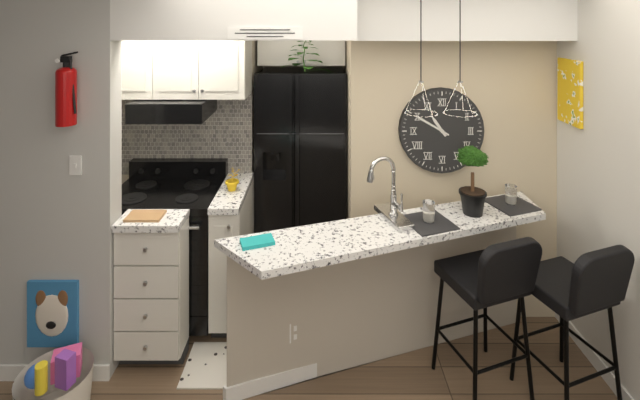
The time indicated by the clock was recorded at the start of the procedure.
10:50
